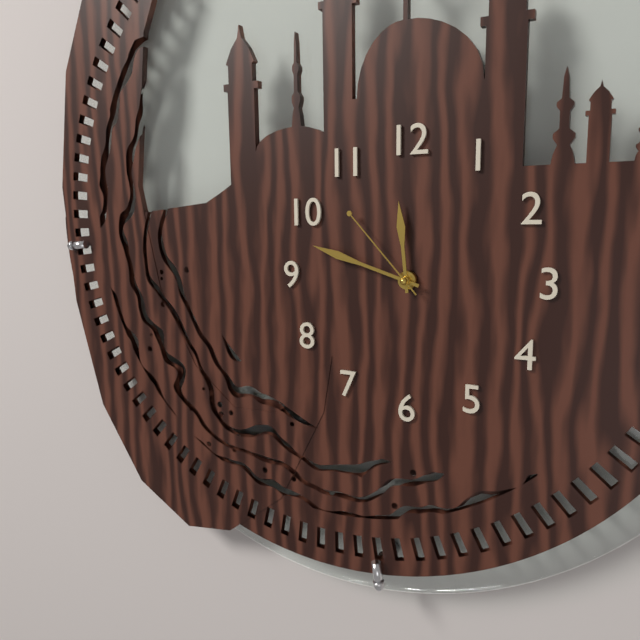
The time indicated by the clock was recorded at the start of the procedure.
11:48:53
